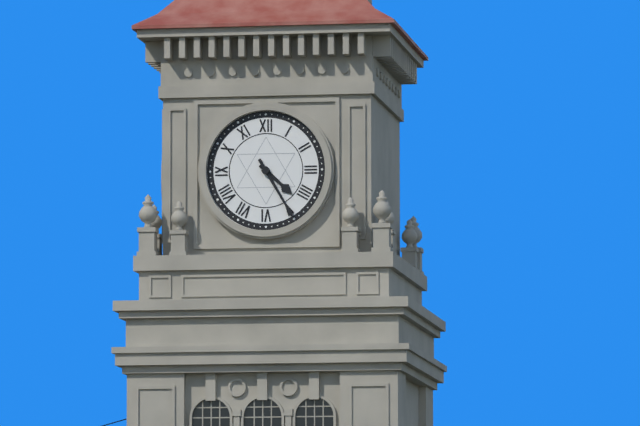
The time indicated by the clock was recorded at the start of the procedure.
4:25
